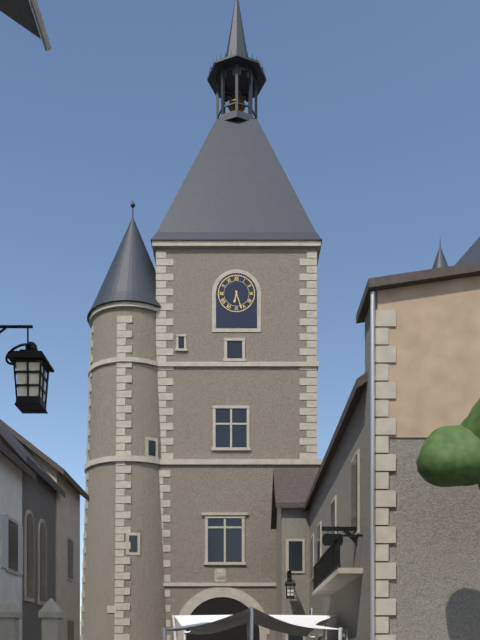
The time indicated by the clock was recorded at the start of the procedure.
6:27
